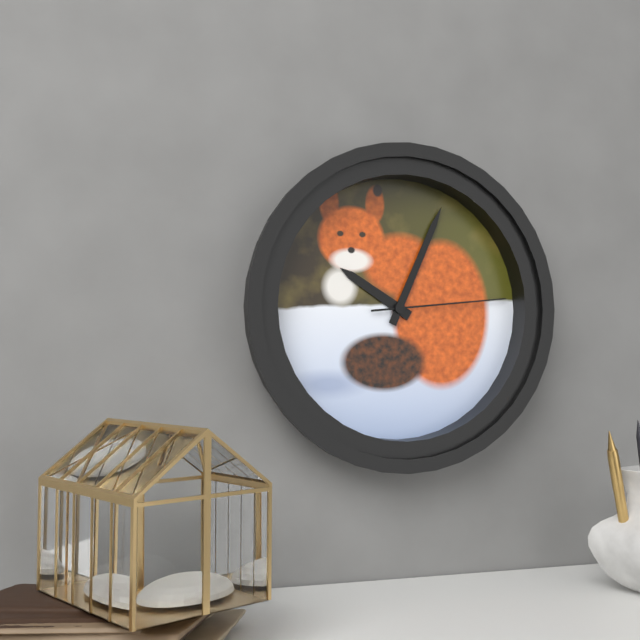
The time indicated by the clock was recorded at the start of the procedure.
10:04:14
